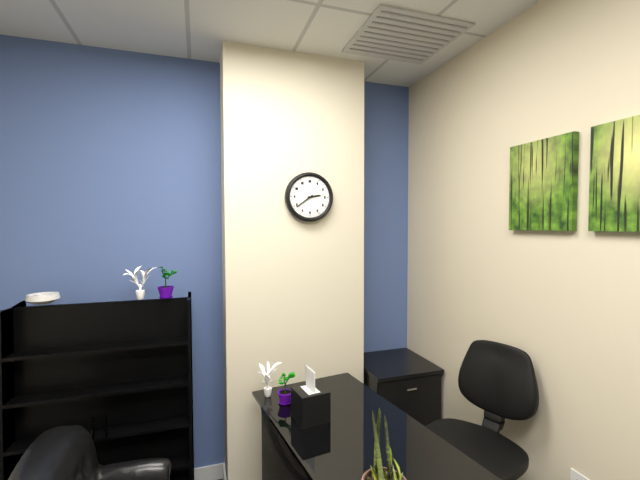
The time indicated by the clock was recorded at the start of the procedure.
2:39
